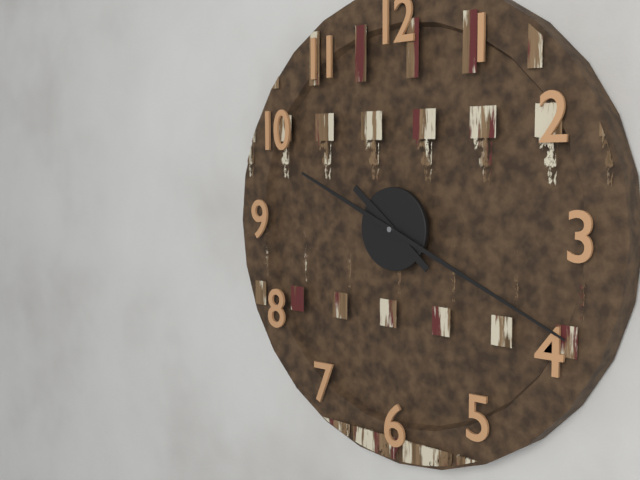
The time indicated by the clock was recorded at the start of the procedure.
10:19
